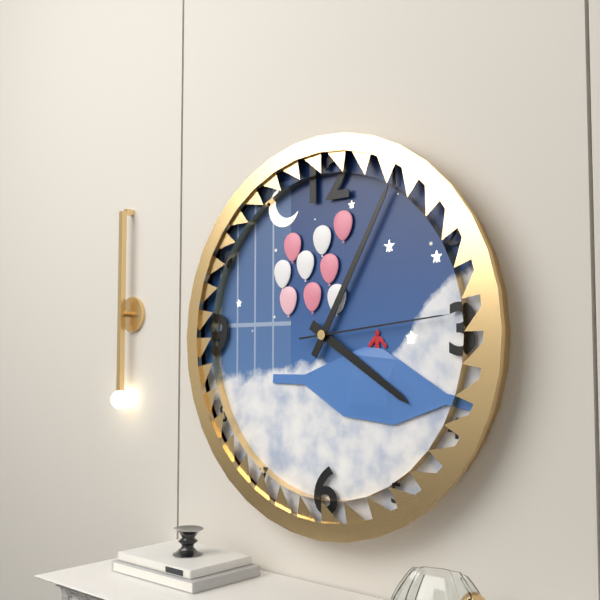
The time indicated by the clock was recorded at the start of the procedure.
4:05:14
